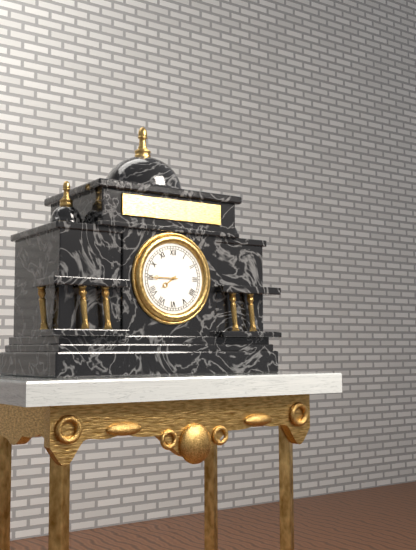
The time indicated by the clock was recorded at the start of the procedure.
7:45
